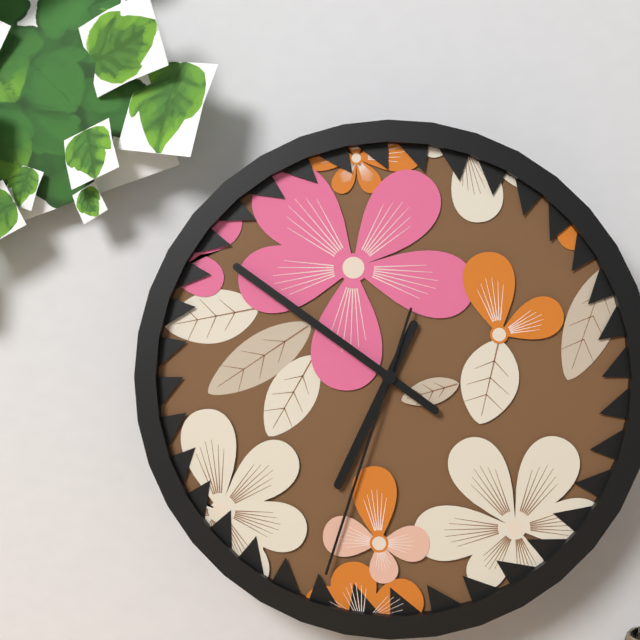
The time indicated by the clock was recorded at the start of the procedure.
6:51:33
